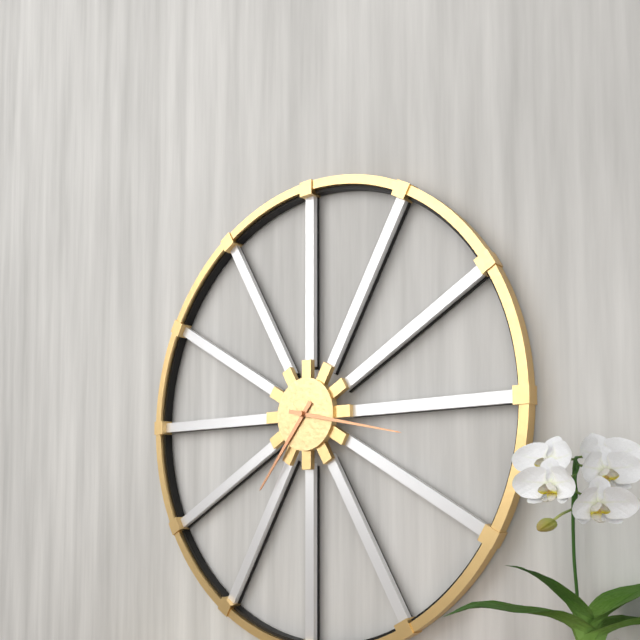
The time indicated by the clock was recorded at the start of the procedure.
7:17
